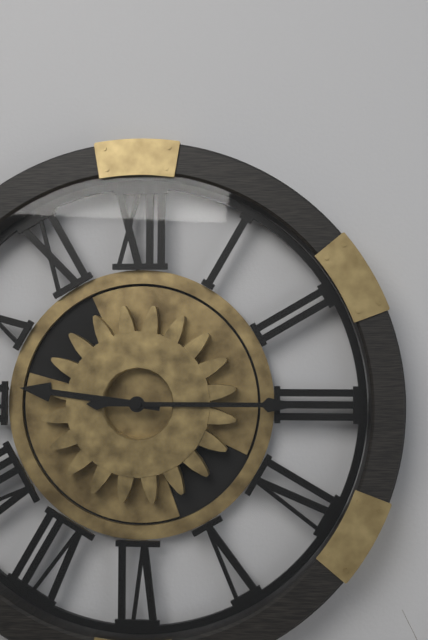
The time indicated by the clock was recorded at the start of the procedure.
9:15
